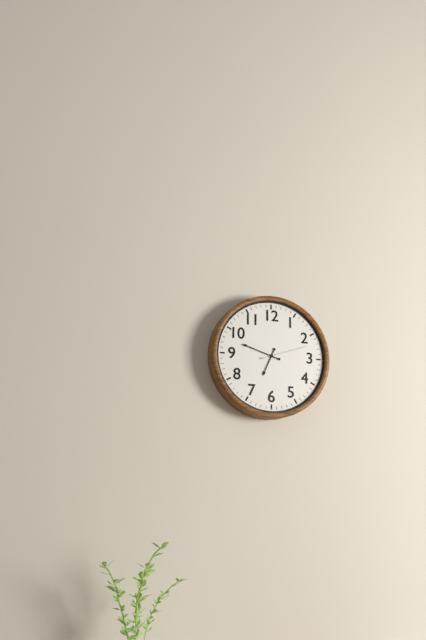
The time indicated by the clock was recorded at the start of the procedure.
6:48
